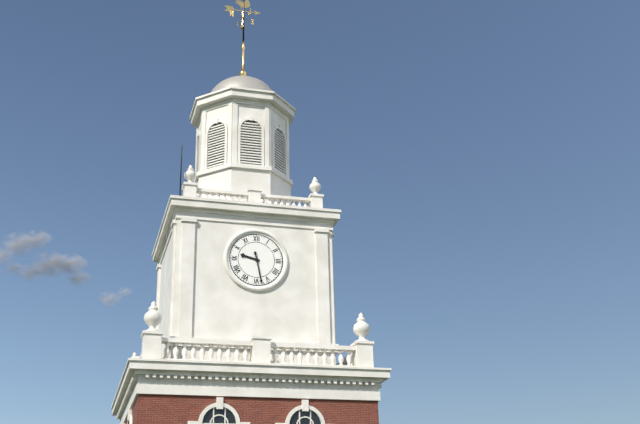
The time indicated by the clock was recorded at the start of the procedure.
9:28
